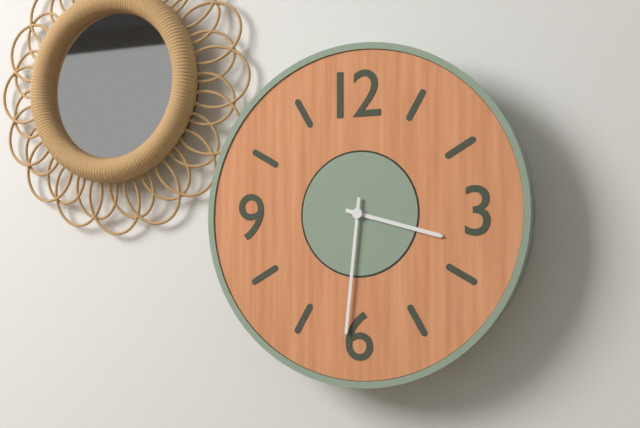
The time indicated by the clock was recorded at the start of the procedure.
3:31
